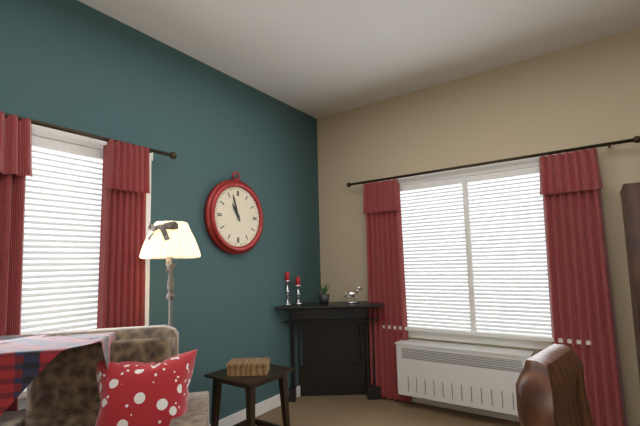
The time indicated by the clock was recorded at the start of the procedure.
10:57
